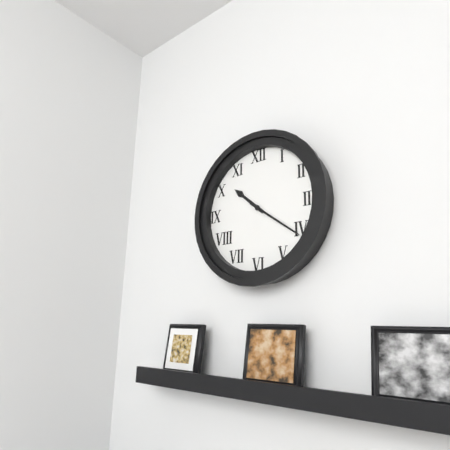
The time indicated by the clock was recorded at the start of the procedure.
10:21
